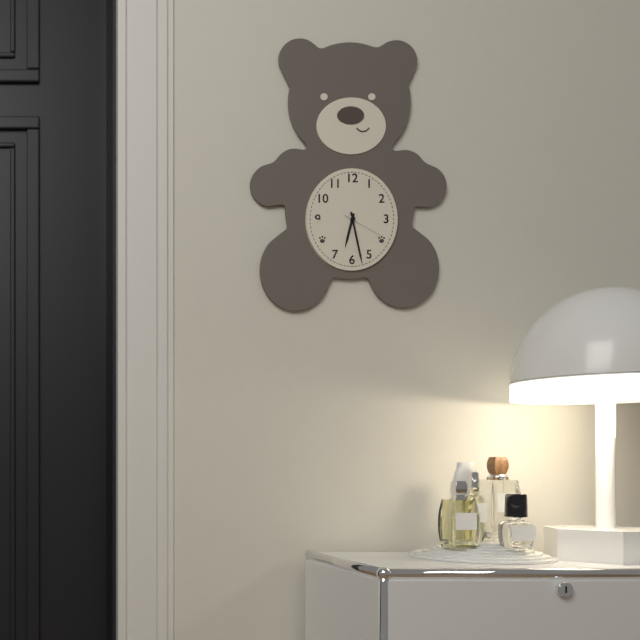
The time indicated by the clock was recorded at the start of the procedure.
6:28
